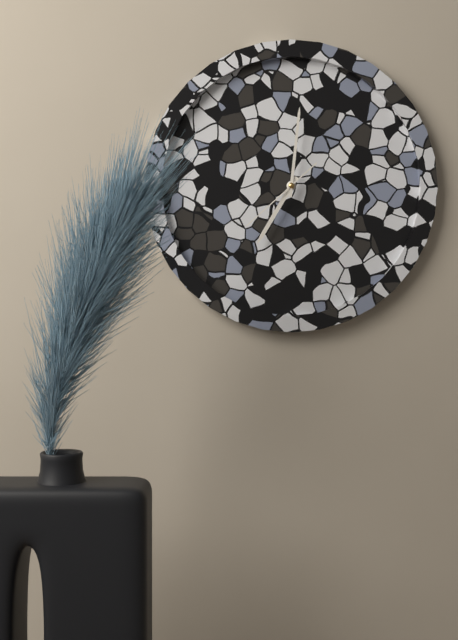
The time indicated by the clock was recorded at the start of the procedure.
7:01:38
